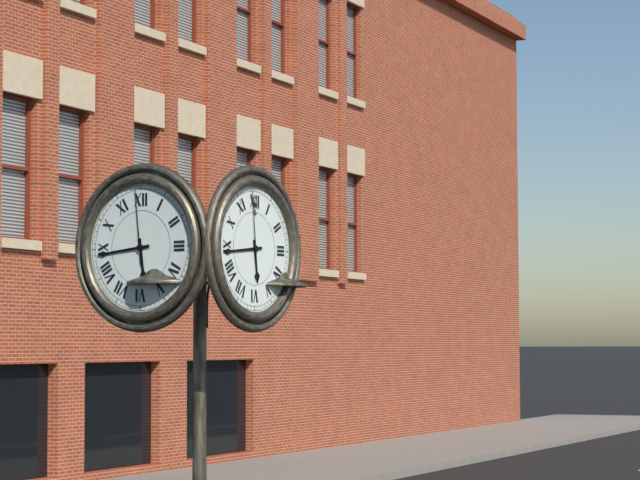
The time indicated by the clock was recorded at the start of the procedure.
5:44:59
